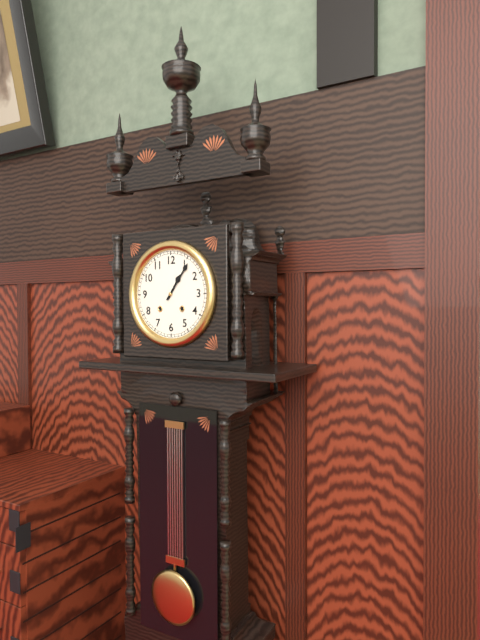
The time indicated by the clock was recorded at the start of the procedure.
1:06
